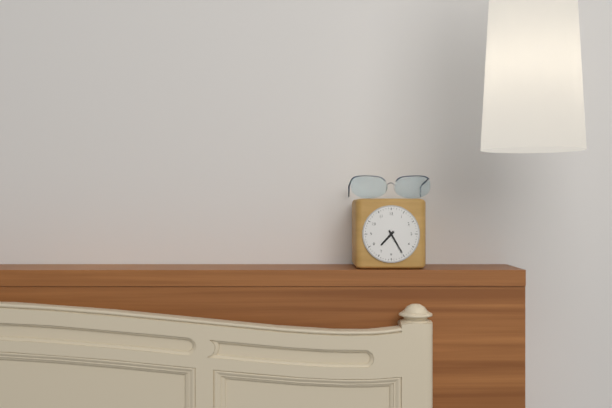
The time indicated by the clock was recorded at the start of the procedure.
7:25
